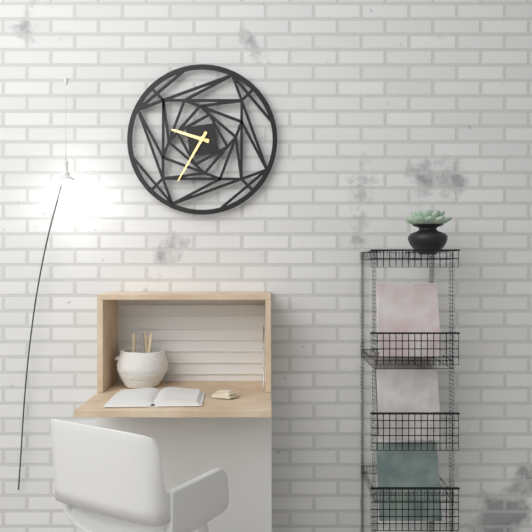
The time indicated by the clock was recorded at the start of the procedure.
9:35
